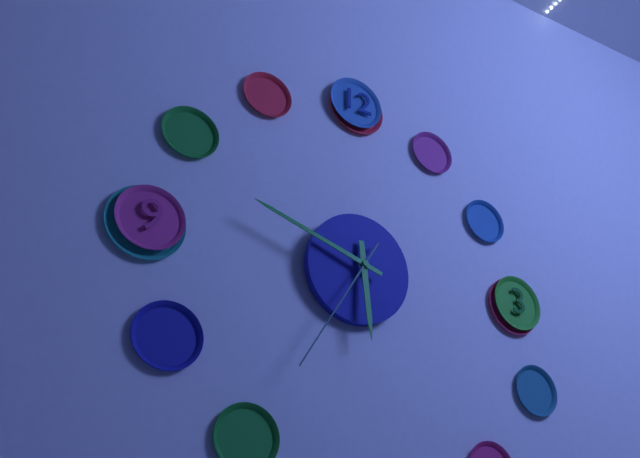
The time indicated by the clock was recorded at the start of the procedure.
5:48:35
